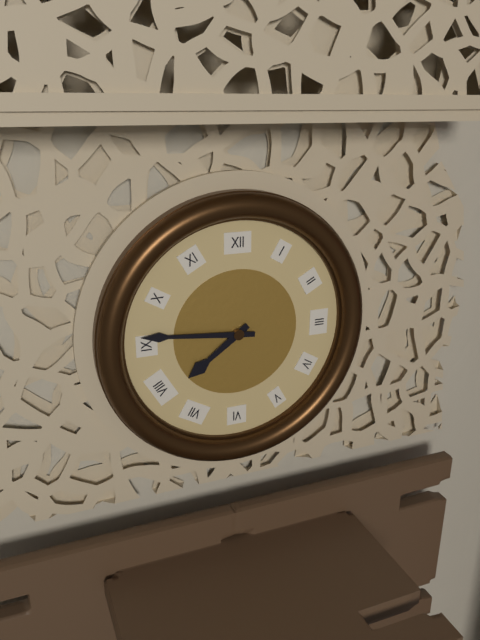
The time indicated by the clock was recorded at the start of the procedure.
7:46
